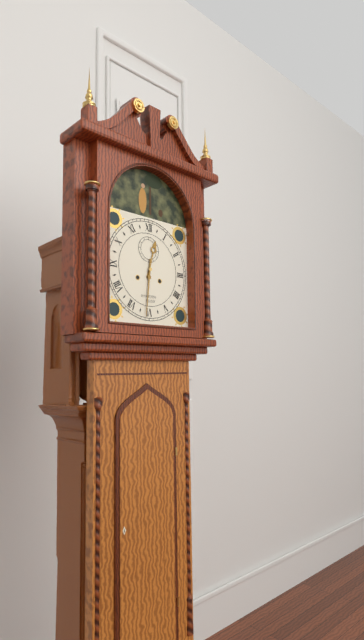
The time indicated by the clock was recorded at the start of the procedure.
12:31
